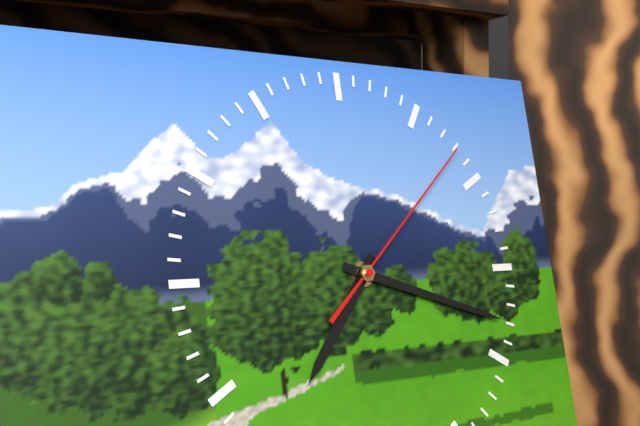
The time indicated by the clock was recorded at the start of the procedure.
7:18:08
